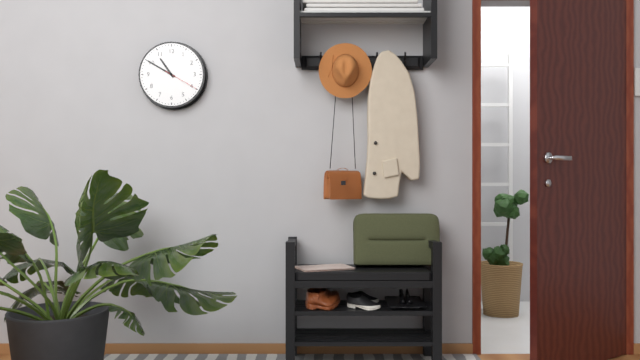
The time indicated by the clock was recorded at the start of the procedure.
10:50
